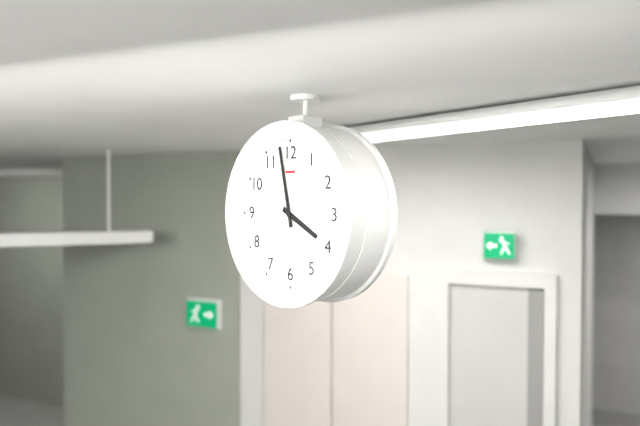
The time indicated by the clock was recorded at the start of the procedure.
3:58
